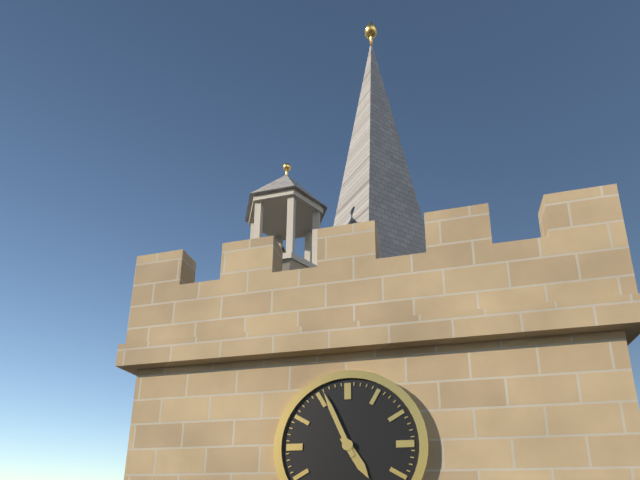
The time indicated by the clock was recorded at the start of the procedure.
4:56
